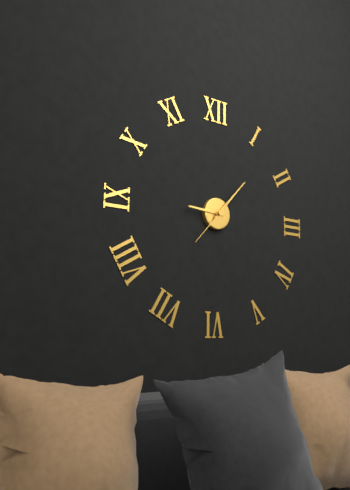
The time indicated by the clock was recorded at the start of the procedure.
9:07
